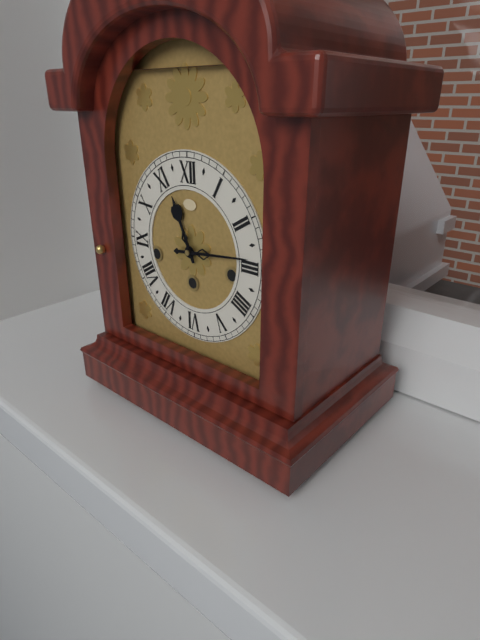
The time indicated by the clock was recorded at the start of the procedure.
11:14
